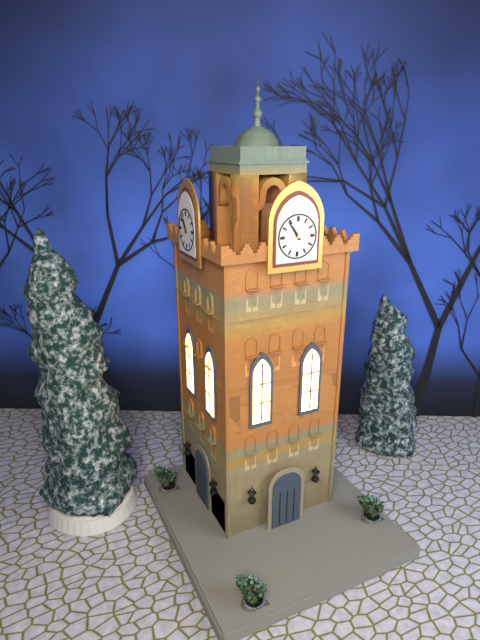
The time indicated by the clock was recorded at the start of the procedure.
10:54
